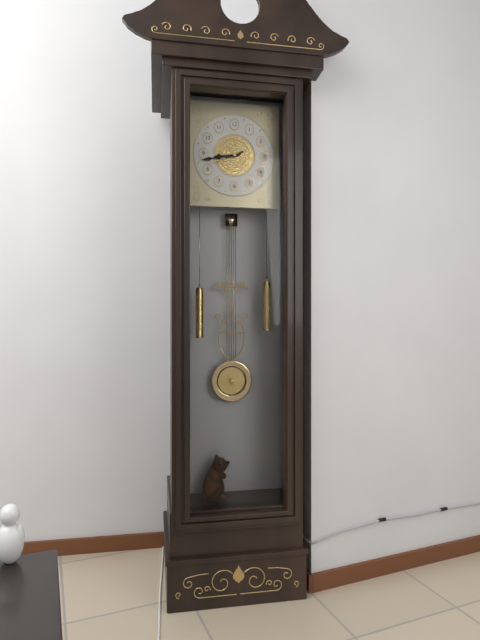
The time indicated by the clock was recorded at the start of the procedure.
8:43
